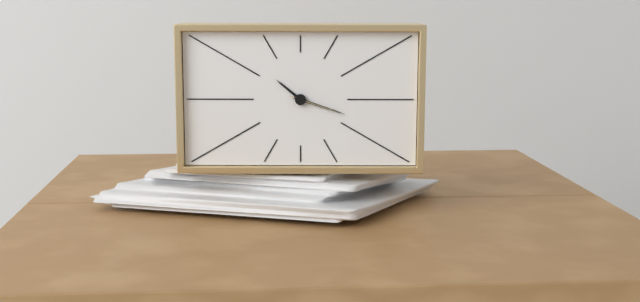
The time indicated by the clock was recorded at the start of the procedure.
10:18
